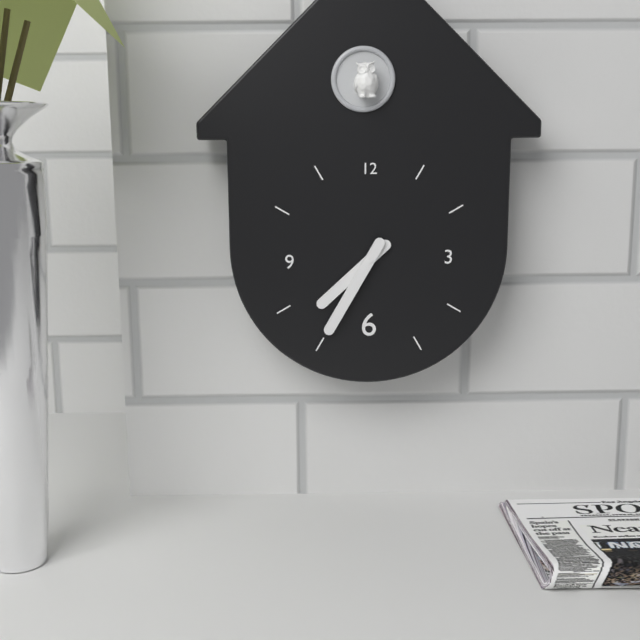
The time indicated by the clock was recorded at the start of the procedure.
7:35
